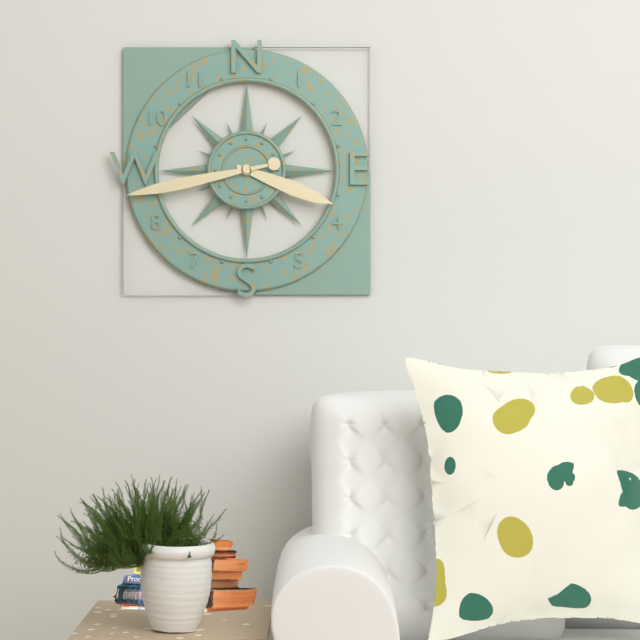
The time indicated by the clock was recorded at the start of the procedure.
3:43
